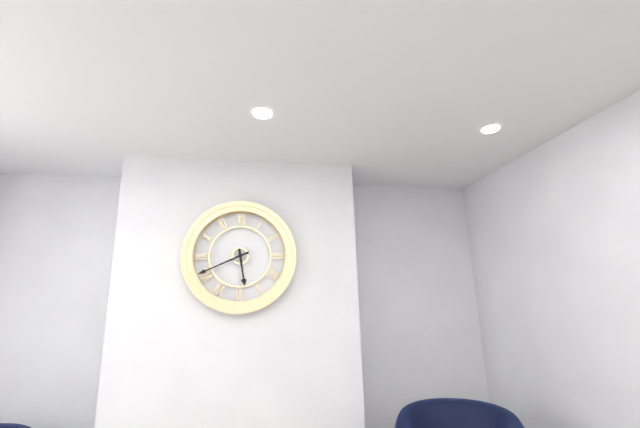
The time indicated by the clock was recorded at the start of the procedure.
5:41
